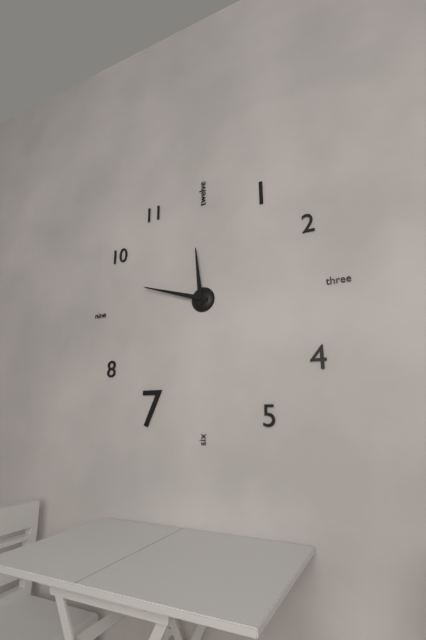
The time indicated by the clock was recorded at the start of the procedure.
11:48
